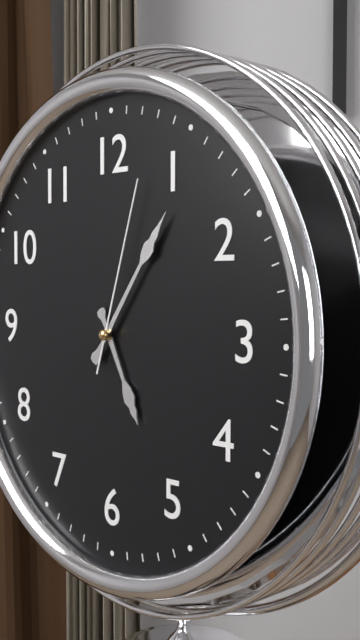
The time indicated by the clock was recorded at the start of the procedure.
5:06:03
